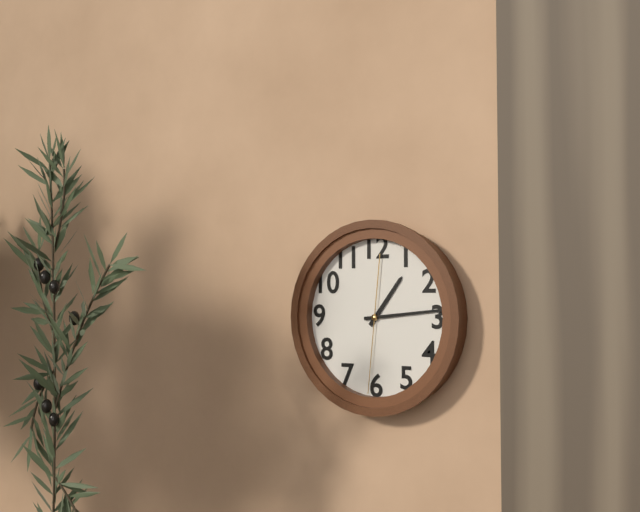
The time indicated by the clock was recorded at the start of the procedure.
1:14:31
